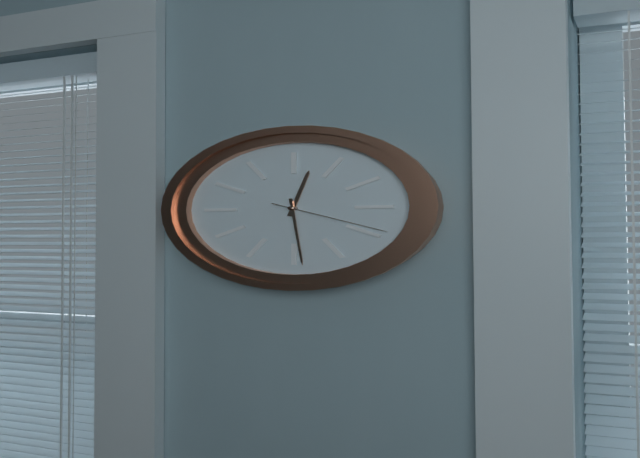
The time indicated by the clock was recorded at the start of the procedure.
12:29:19
